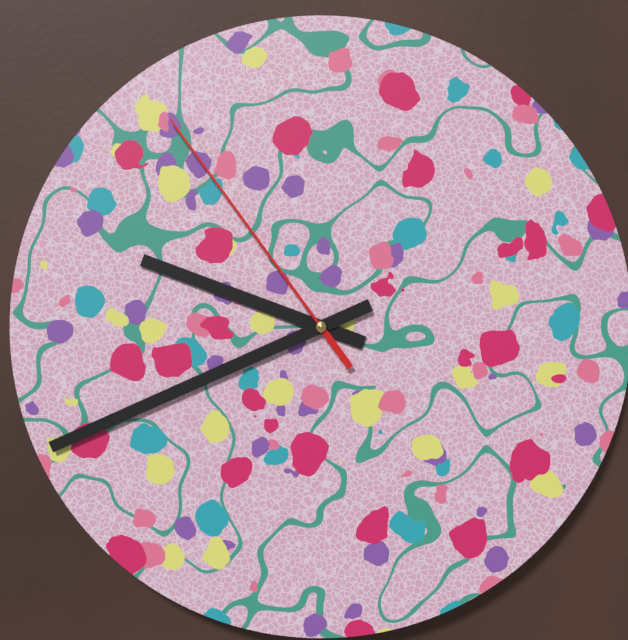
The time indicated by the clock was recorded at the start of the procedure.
9:41:54
